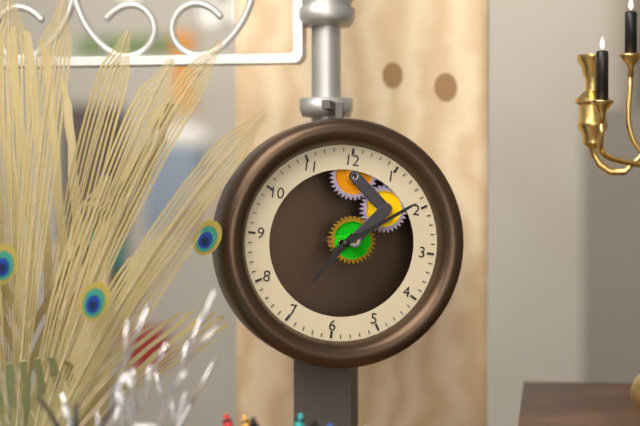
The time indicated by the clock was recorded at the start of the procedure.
7:09
